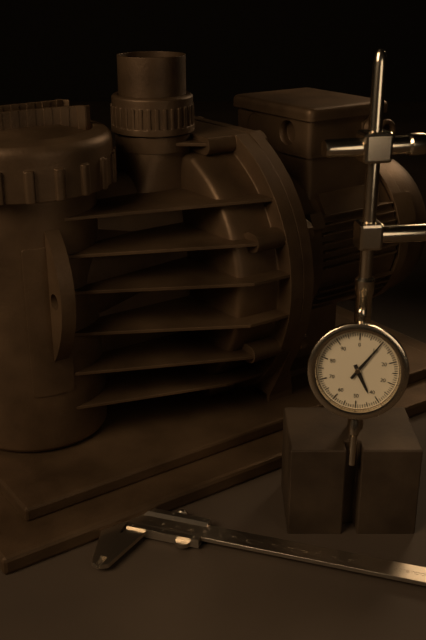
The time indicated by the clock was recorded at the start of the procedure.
5:06
